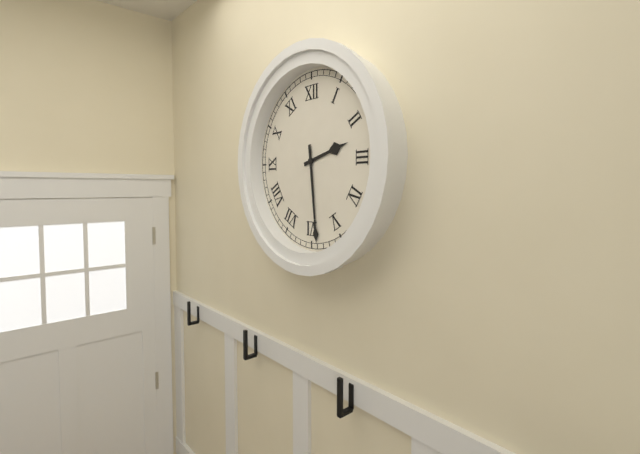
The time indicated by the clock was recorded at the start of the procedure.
2:29
